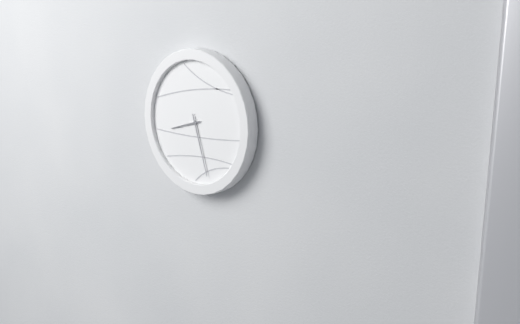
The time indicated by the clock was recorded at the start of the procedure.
8:27
